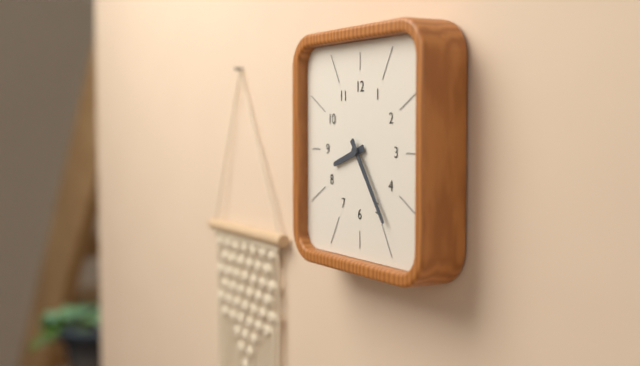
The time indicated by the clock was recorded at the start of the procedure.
8:24
